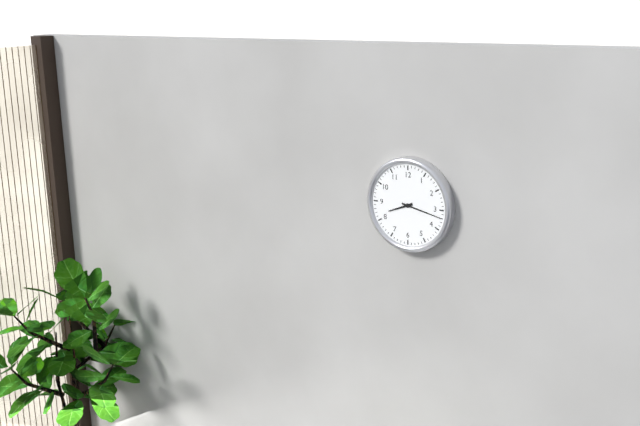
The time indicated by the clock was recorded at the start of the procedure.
8:17
